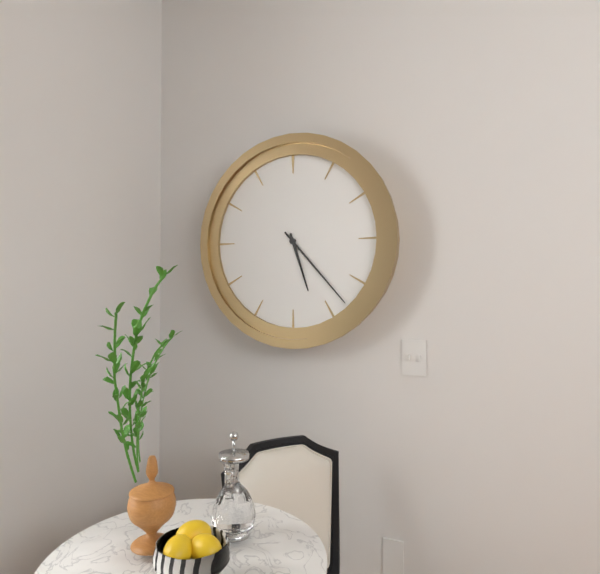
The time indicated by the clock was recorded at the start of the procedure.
5:23
